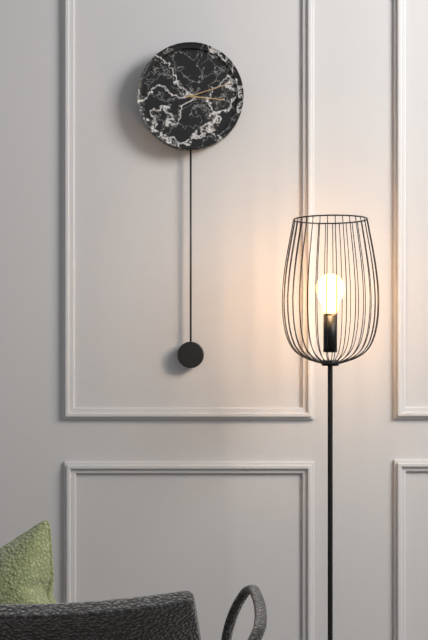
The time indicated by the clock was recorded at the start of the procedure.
3:12
